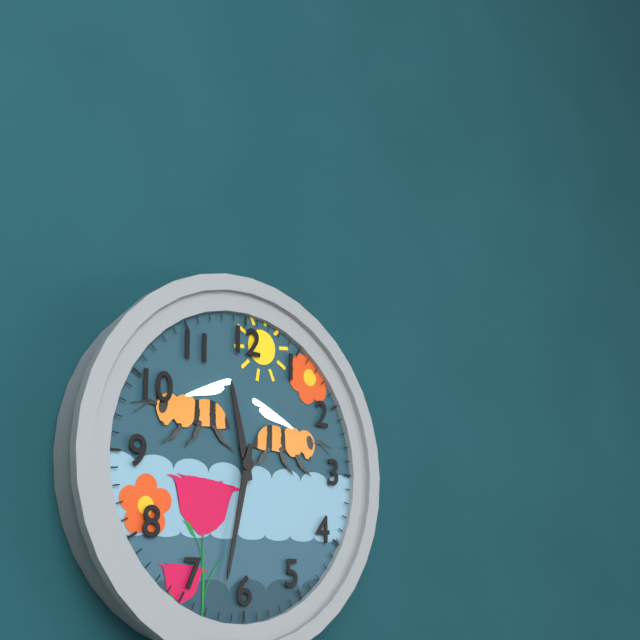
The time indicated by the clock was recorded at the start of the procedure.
11:32
